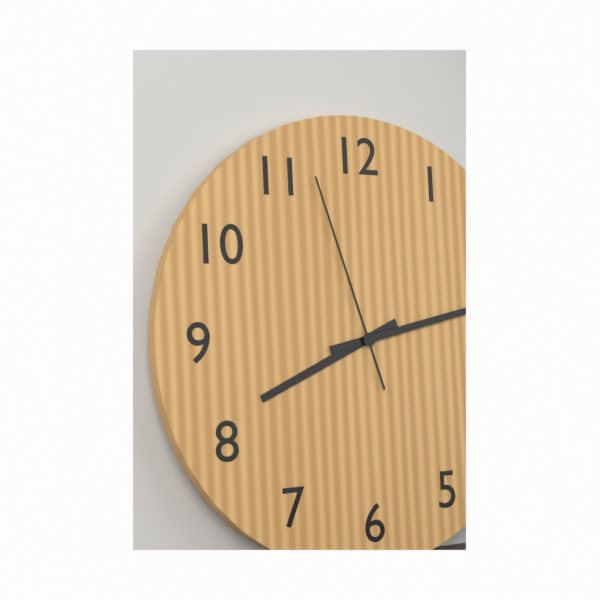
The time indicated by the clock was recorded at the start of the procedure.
8:13:57
